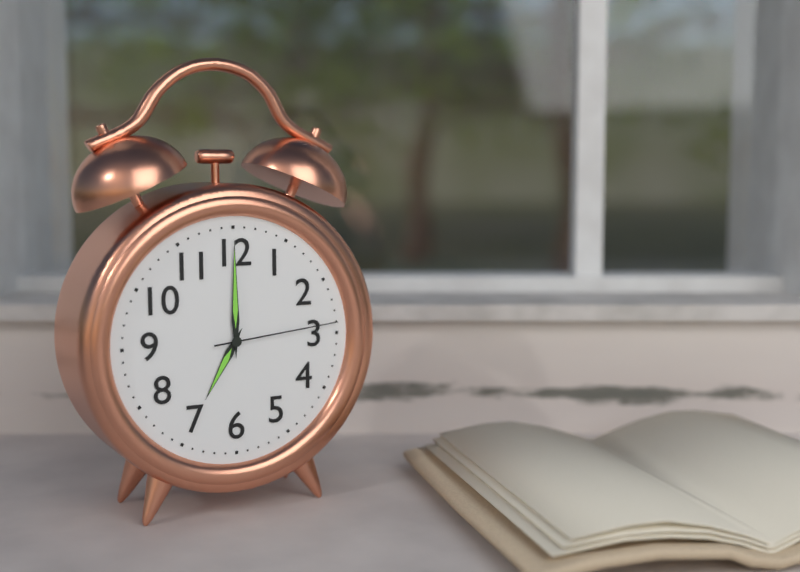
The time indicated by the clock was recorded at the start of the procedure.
7:00:14
